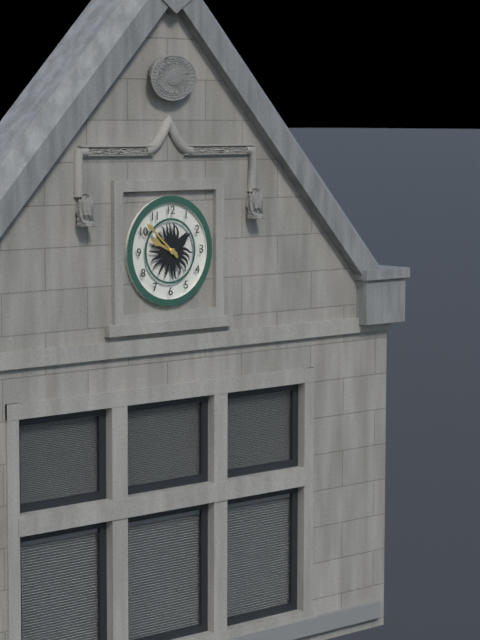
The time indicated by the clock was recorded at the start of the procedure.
9:52
